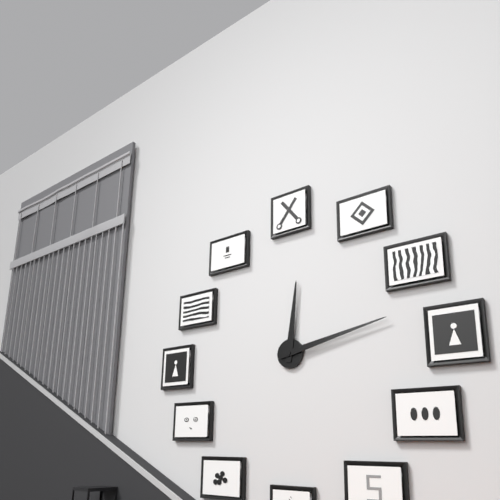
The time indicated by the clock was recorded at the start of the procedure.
12:13
